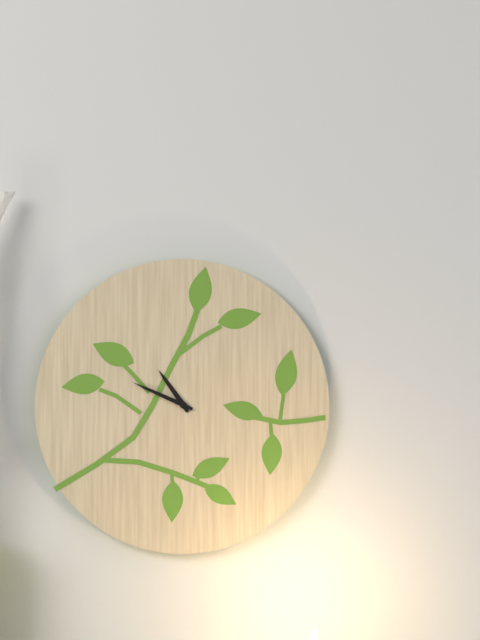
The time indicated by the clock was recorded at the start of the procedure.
10:49
